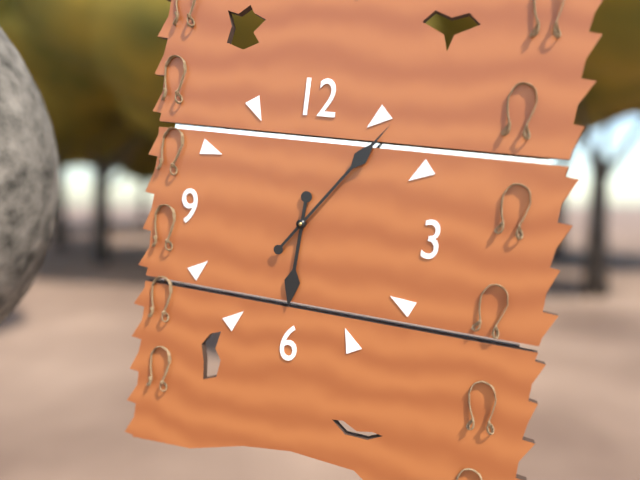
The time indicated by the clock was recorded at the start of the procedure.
6:06
